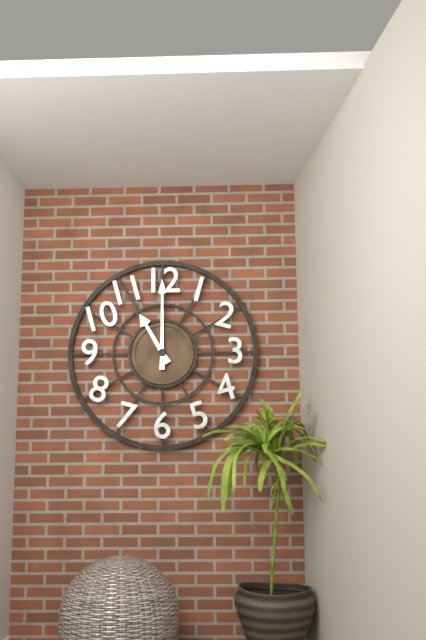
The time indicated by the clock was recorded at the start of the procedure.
11:00
